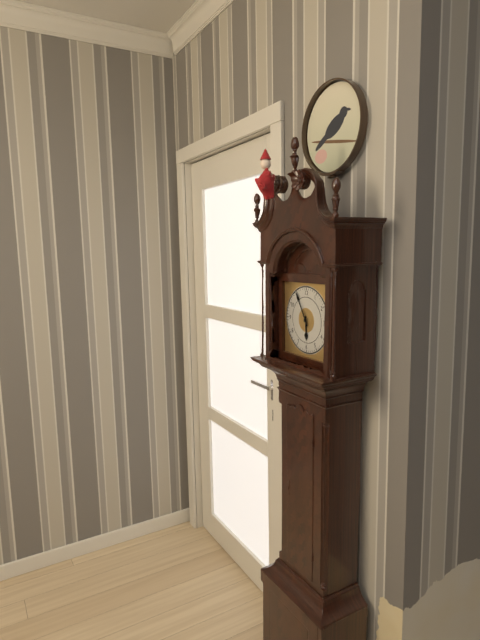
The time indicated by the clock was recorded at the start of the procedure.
5:55
